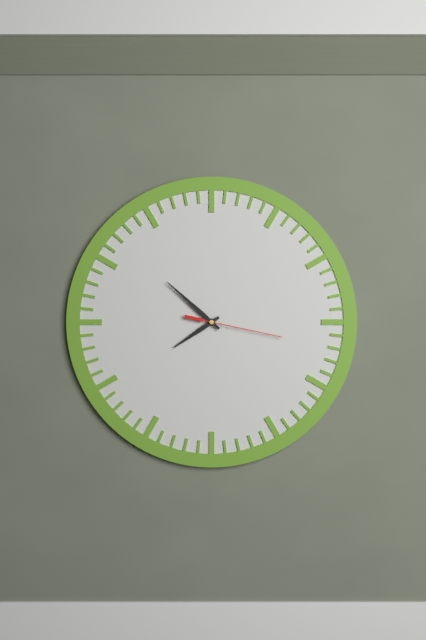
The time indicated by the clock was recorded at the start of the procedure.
7:52:17
